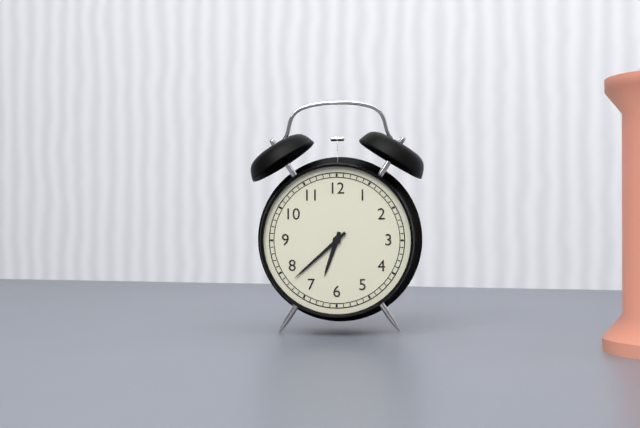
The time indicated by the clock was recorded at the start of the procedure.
6:38
